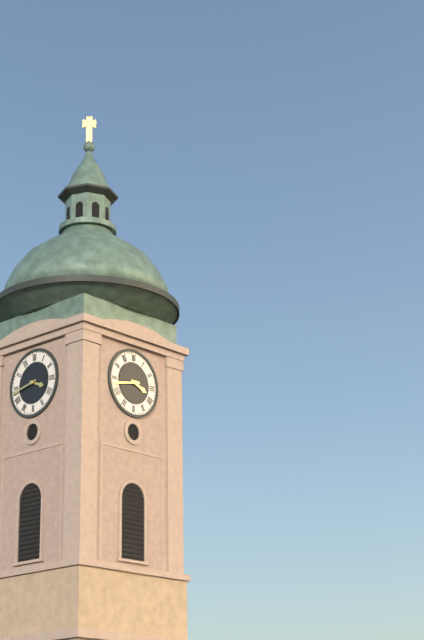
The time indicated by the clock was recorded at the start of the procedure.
3:43
